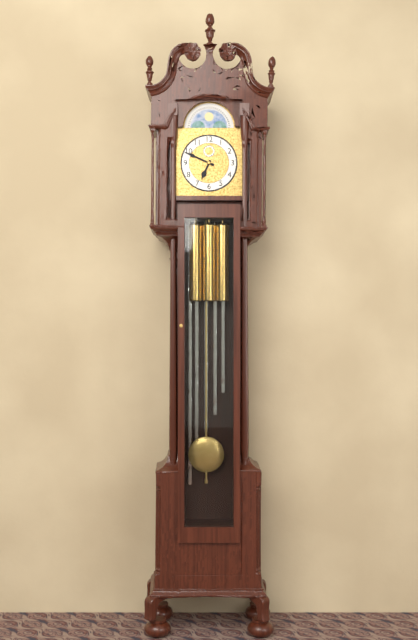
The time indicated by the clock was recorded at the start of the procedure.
6:49
